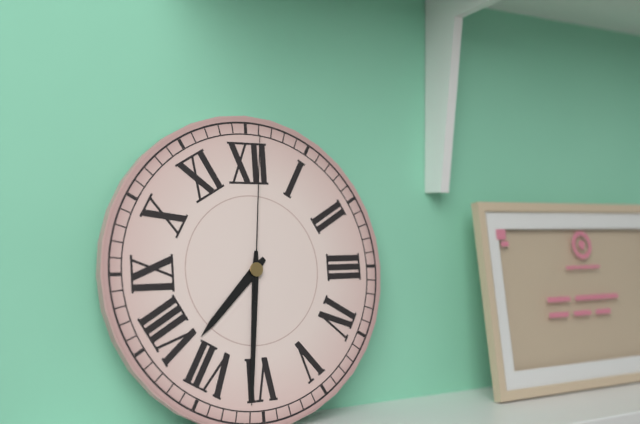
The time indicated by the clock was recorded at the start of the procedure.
7:31:01
